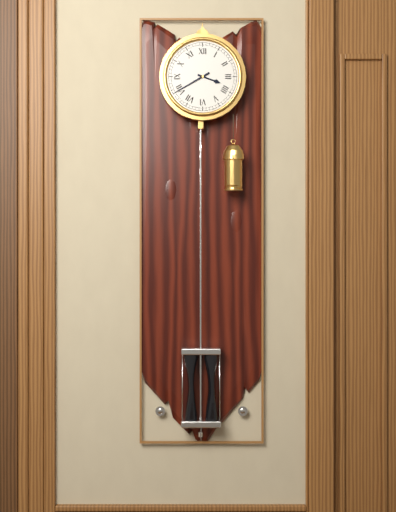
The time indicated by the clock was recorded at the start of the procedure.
3:40
